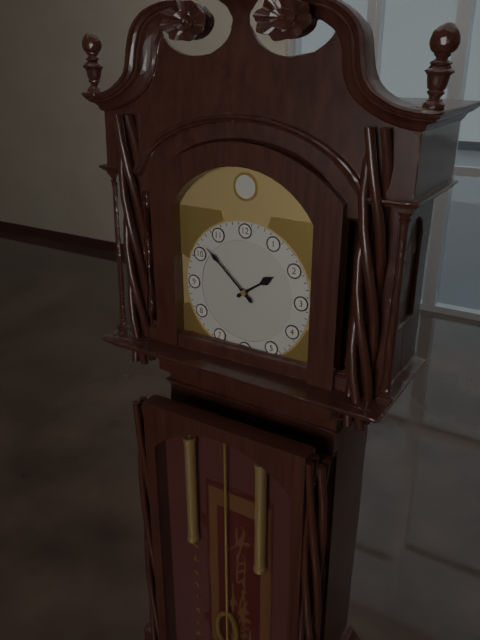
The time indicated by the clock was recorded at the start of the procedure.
1:52
